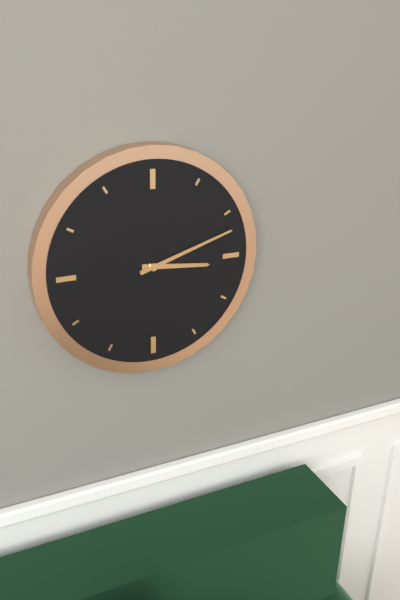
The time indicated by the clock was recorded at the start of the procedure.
3:12
